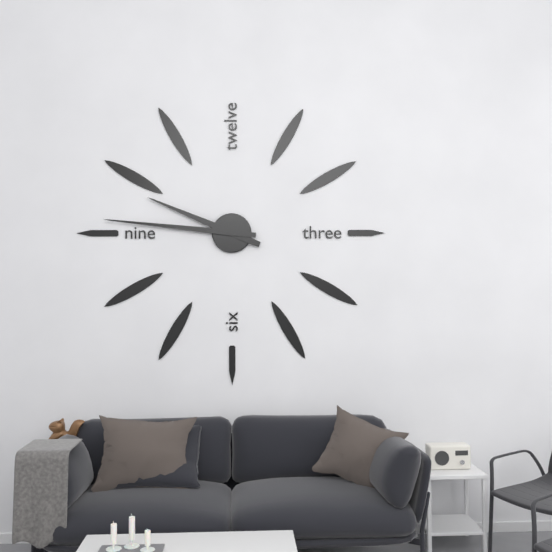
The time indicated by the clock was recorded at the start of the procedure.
9:46
